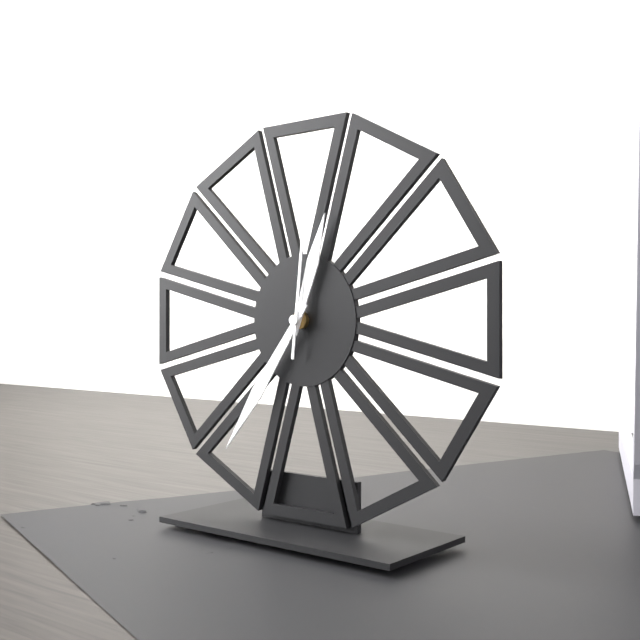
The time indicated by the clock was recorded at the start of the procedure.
12:36:01
